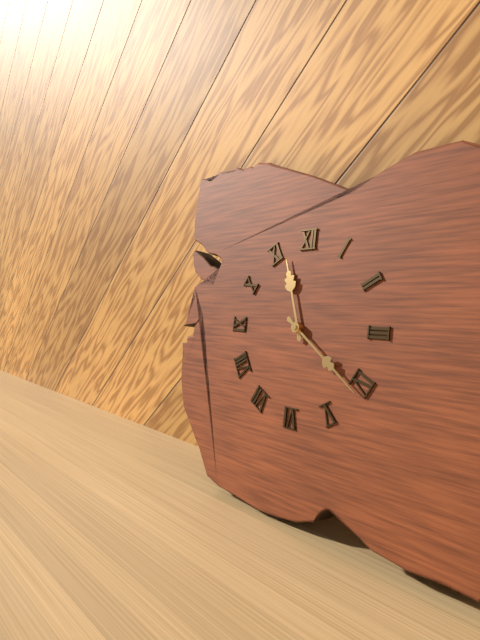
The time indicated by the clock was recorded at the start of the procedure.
11:21
